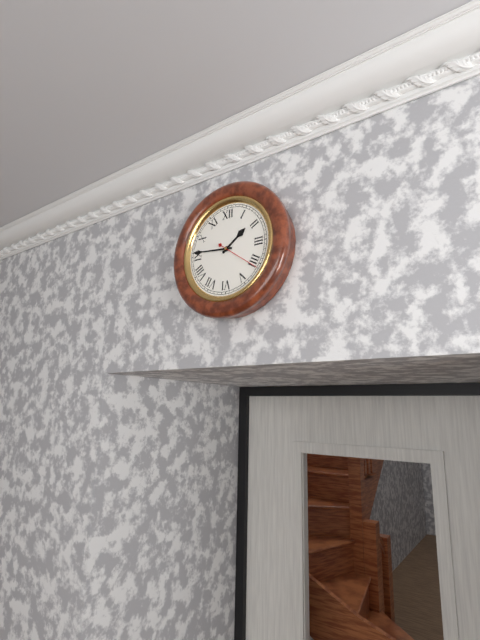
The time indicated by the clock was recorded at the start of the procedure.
1:46
